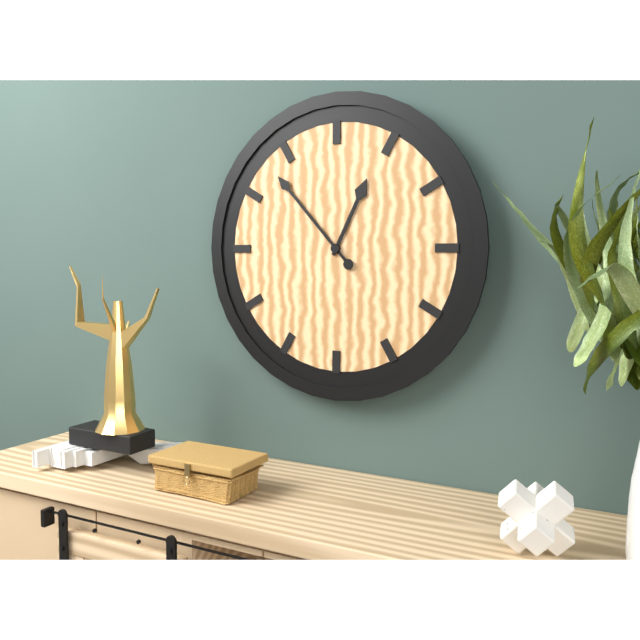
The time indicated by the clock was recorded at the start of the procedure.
12:53
